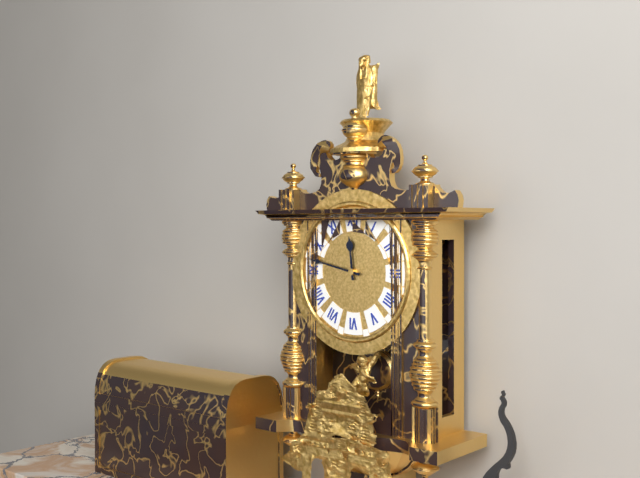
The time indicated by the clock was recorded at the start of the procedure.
11:47
